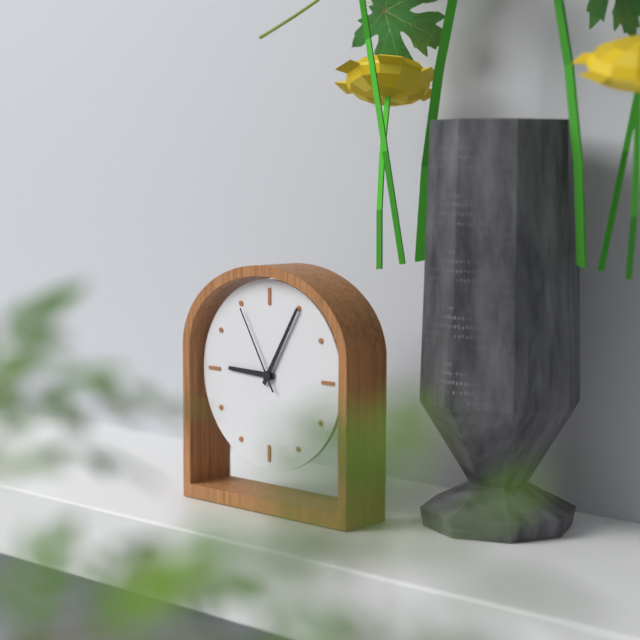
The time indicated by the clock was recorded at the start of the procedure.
9:05:55
